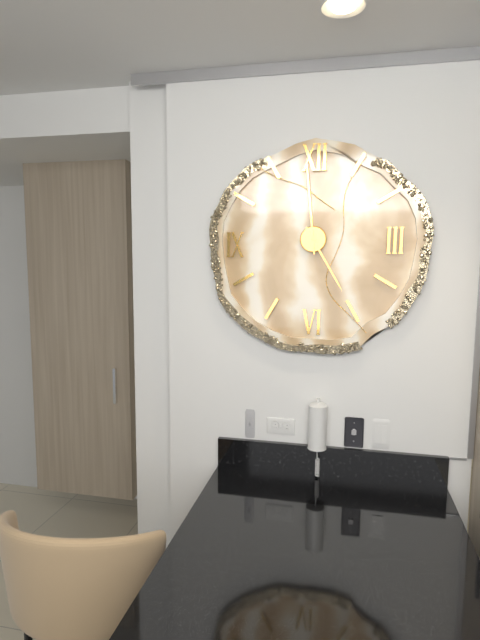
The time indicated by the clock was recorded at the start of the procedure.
4:59
